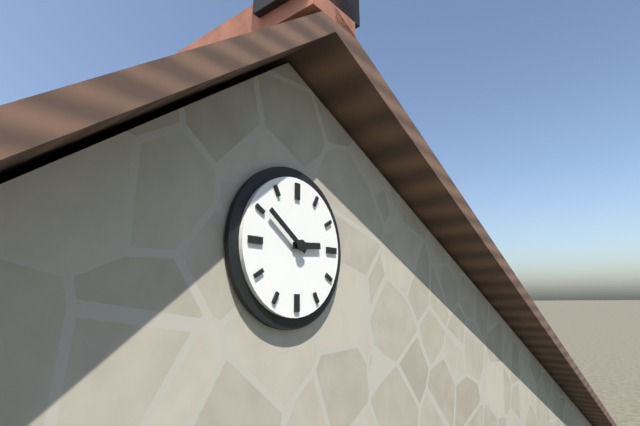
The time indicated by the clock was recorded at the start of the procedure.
2:51
